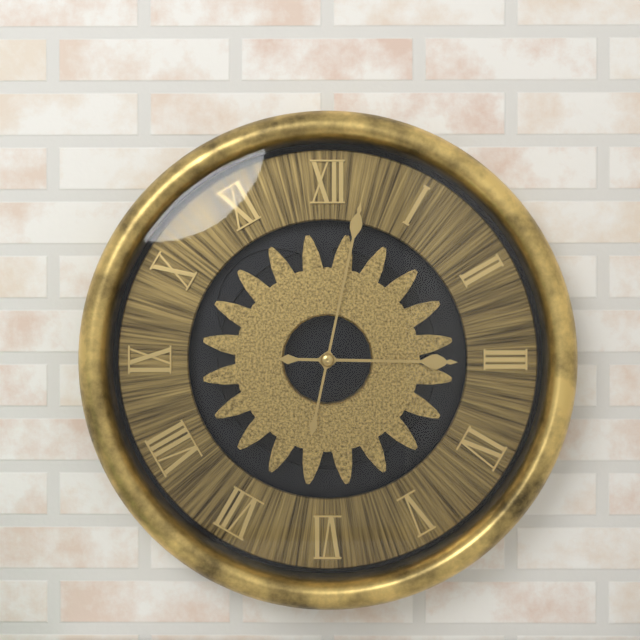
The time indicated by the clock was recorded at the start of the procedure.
3:02
